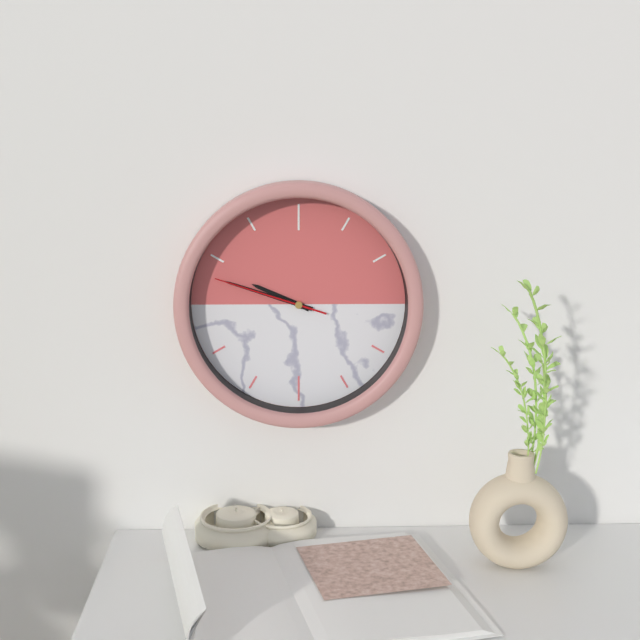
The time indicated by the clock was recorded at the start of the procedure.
9:48:48
